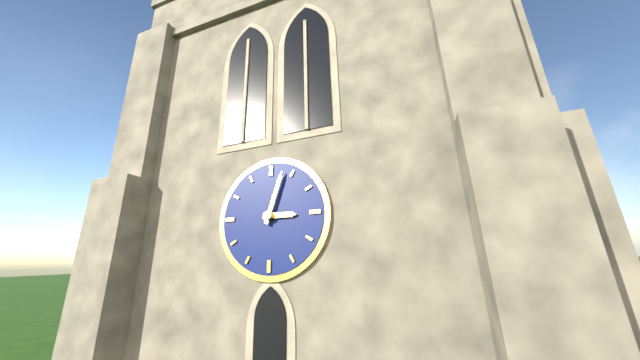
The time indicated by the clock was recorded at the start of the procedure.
3:03
